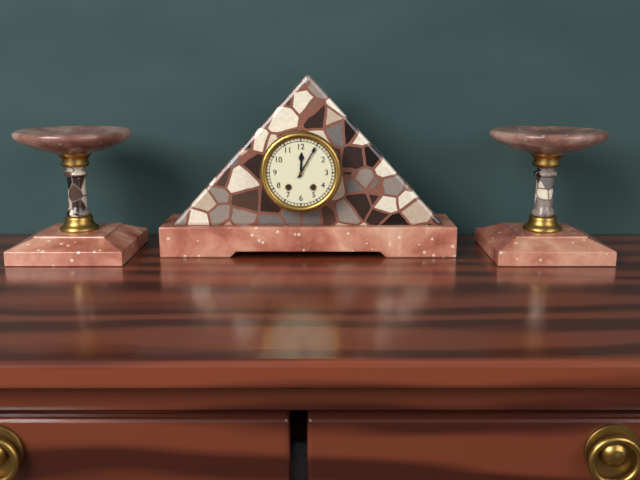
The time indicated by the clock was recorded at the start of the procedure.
12:05
